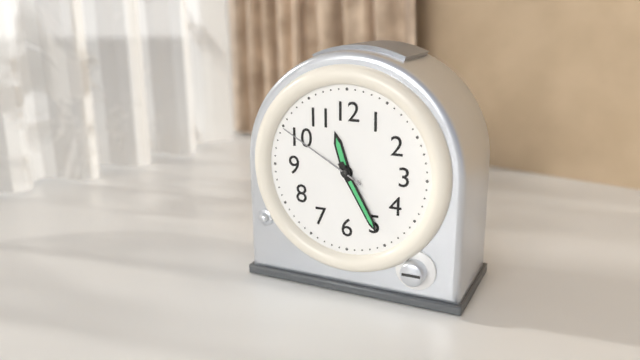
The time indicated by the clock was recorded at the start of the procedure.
11:25:50
